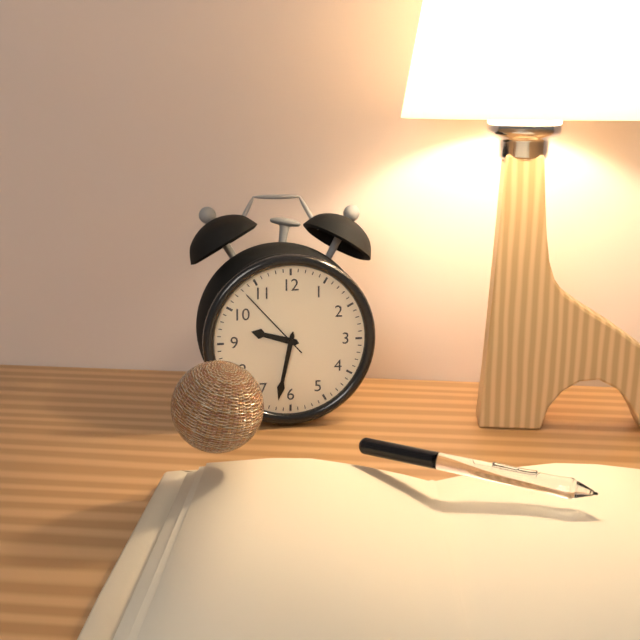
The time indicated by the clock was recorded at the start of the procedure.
9:32:53
